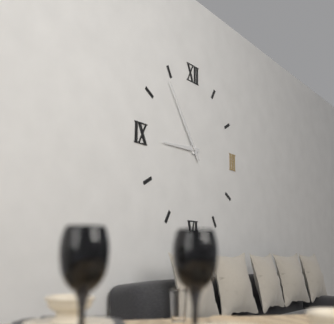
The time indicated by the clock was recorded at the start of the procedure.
8:54
